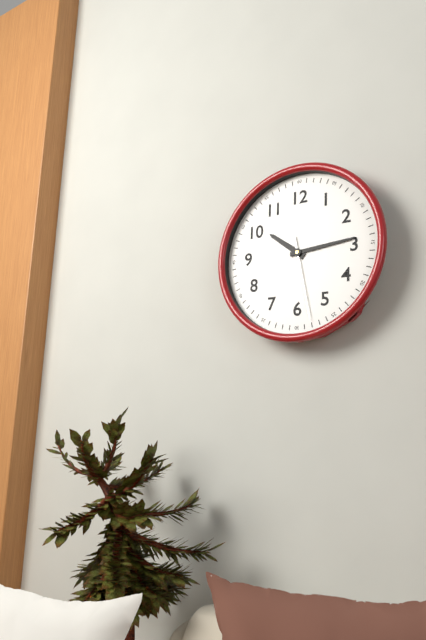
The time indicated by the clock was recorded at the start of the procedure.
10:14:28
